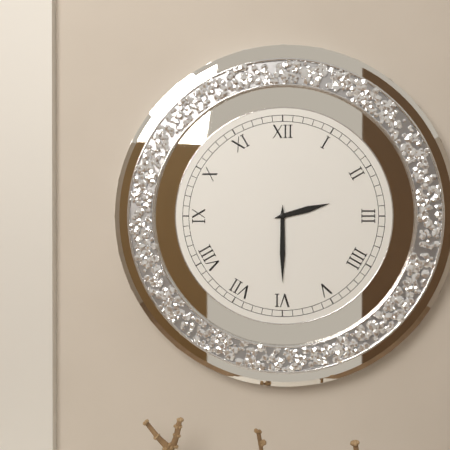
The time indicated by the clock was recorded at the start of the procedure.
2:30
